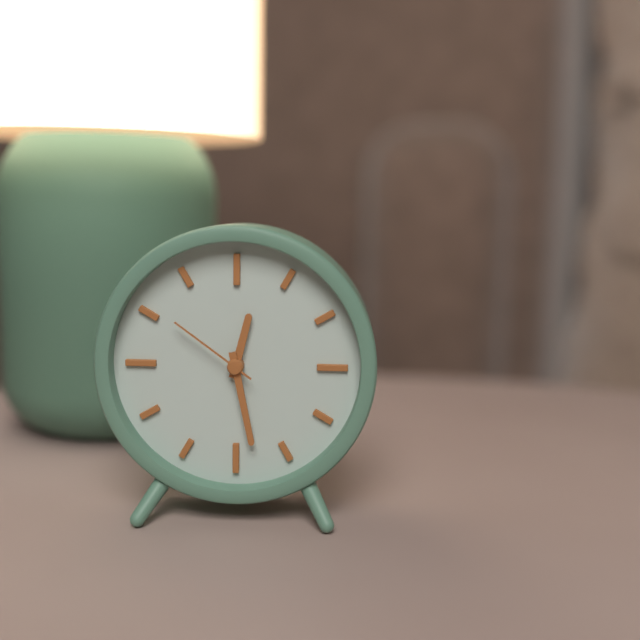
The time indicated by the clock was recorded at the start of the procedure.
12:28:51
